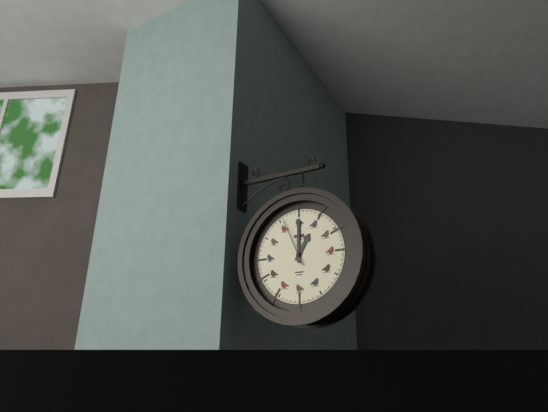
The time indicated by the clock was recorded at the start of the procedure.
1:00
